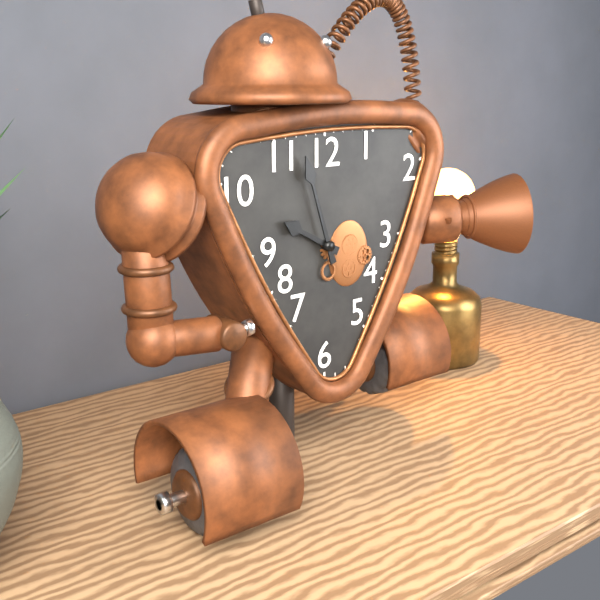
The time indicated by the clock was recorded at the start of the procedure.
9:57
